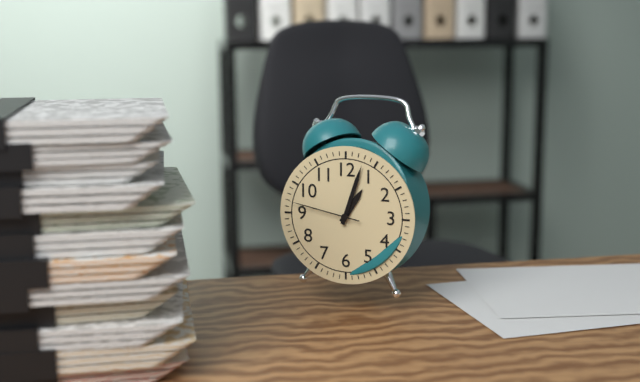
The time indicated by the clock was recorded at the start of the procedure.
1:03:47
